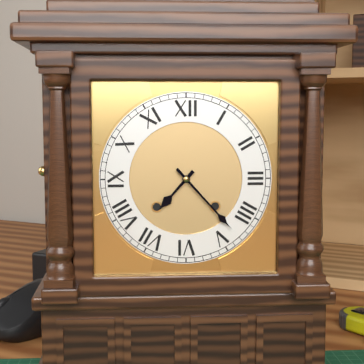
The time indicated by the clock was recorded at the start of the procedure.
7:23
